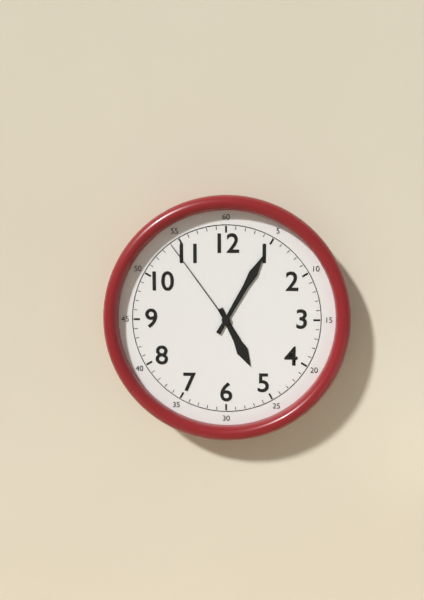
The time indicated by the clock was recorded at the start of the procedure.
5:05:54
